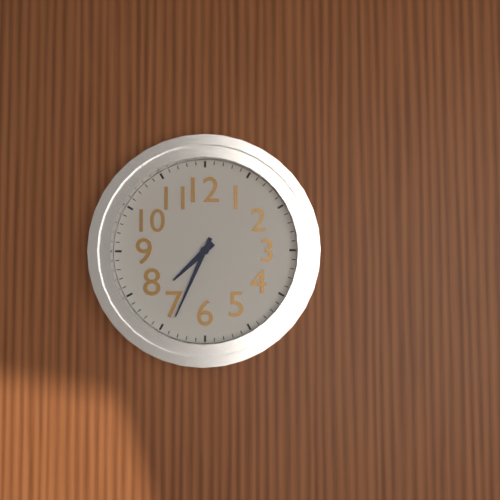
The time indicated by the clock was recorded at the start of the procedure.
7:34
